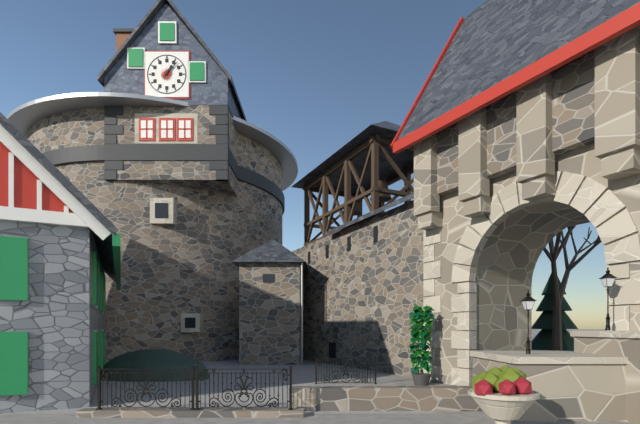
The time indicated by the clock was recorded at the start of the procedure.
1:07
